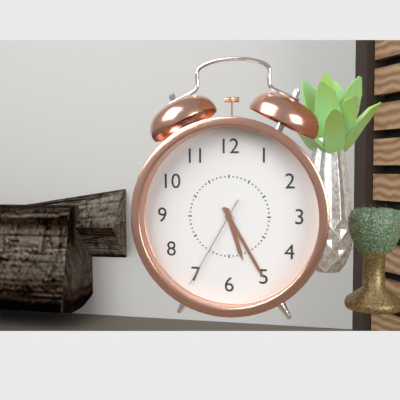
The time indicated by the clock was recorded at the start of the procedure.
5:25:35
